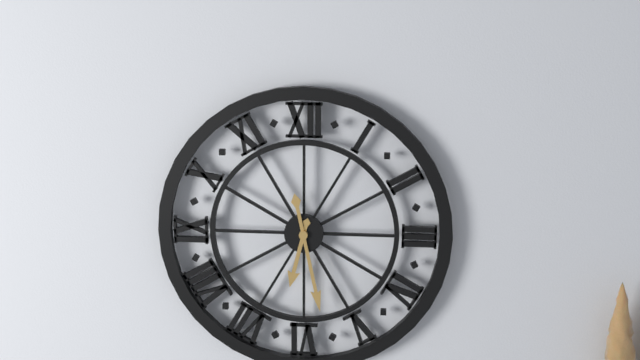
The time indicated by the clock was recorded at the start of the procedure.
6:28
